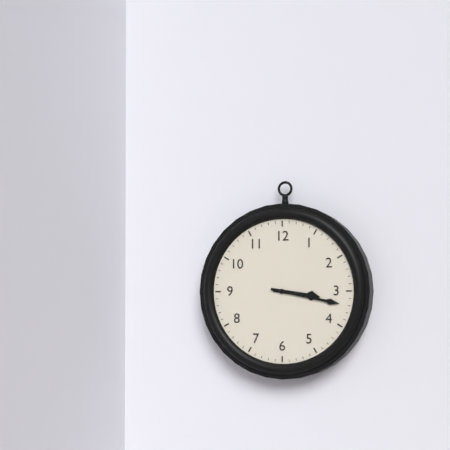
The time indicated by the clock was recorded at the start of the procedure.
3:17
